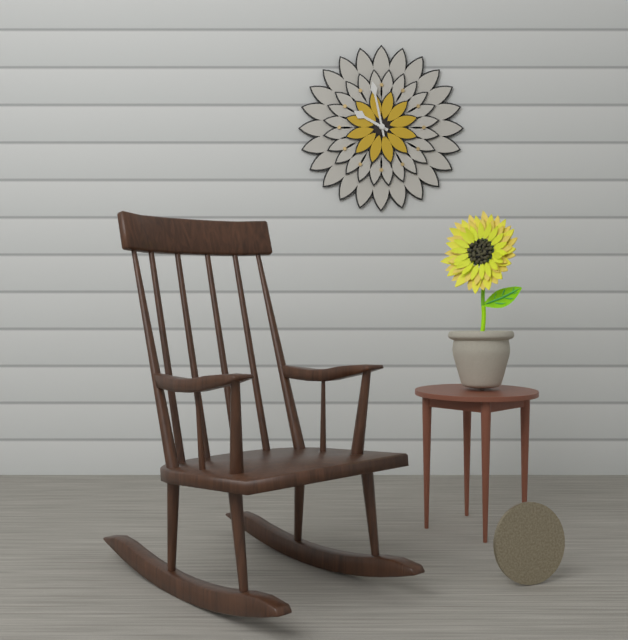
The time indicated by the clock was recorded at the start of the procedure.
9:58
